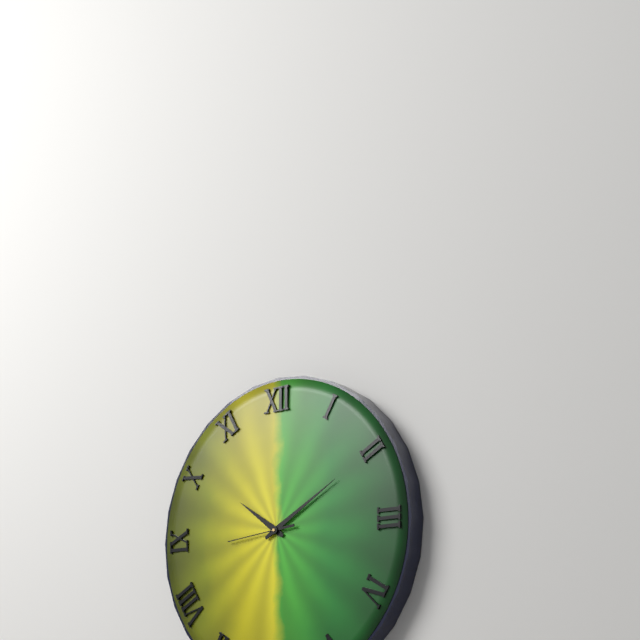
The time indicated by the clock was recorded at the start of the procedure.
10:10:44
